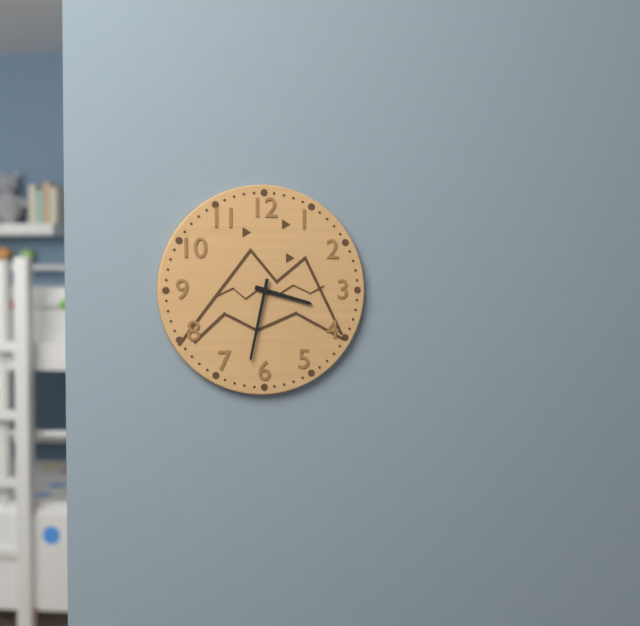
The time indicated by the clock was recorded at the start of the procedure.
3:32
